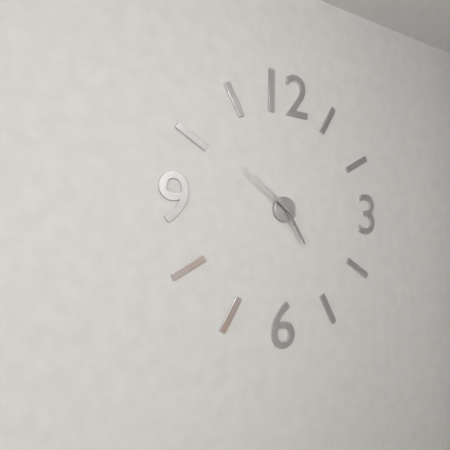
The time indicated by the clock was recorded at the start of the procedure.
4:51
